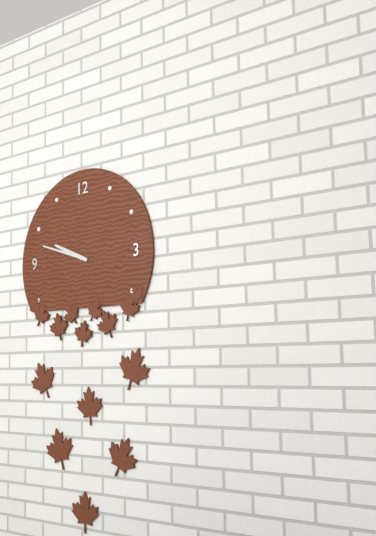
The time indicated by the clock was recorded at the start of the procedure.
9:48
